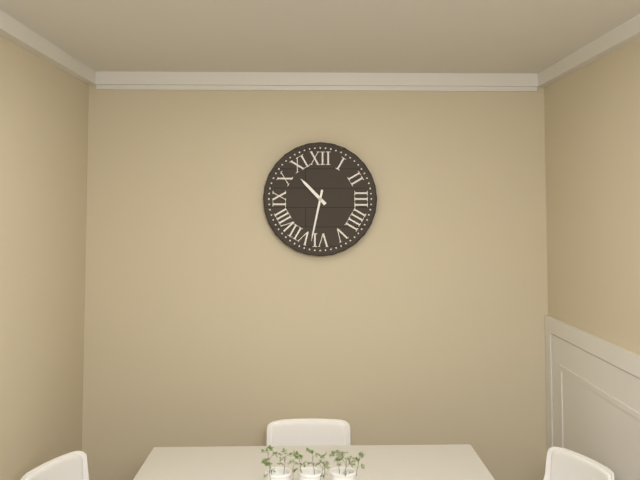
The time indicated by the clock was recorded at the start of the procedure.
10:32
